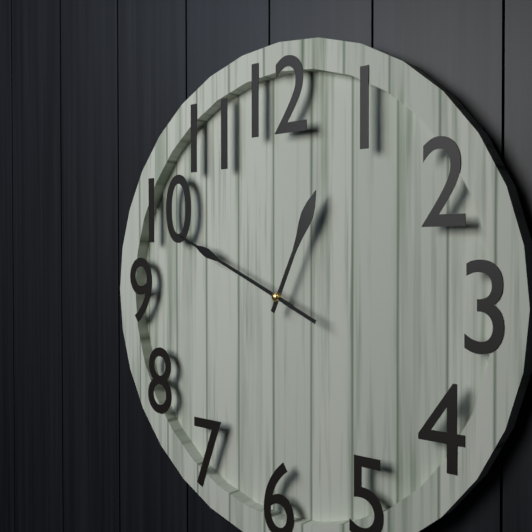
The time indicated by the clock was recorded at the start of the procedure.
12:49:49
